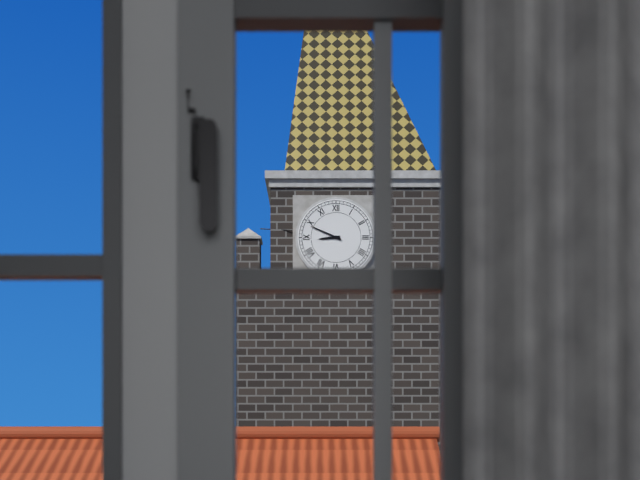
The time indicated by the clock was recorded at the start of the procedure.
8:49
